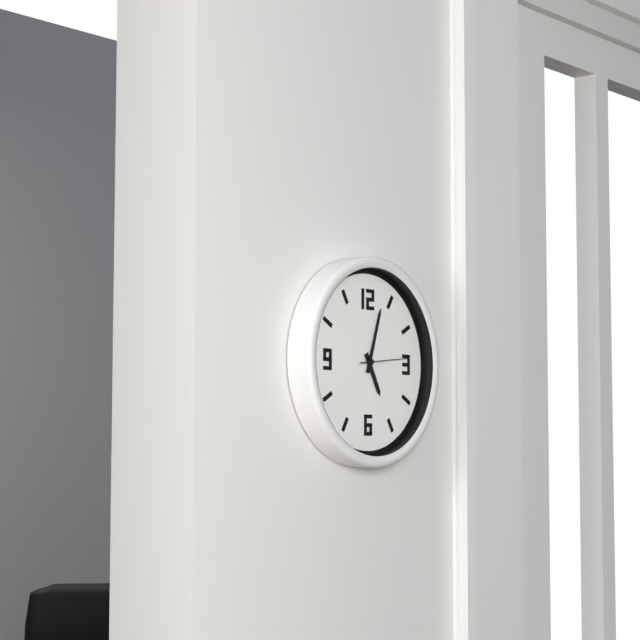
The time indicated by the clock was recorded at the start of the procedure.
5:03:14
